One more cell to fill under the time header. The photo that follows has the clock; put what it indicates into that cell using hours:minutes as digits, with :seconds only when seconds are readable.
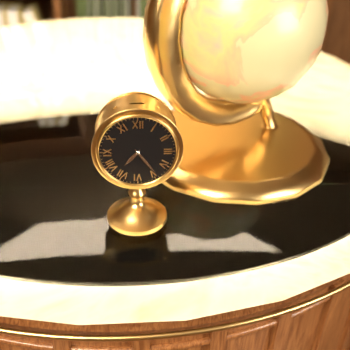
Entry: 7:24
